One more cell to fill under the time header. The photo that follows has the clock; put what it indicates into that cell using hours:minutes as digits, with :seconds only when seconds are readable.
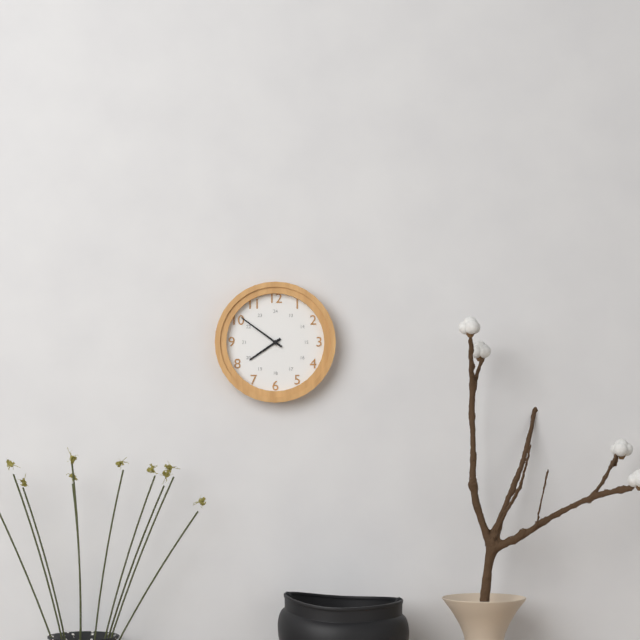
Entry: 7:51
